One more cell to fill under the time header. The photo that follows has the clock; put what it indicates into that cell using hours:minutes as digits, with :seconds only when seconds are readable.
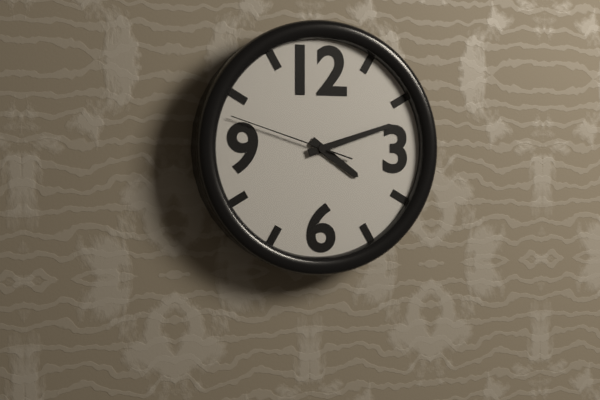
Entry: 4:12:48
